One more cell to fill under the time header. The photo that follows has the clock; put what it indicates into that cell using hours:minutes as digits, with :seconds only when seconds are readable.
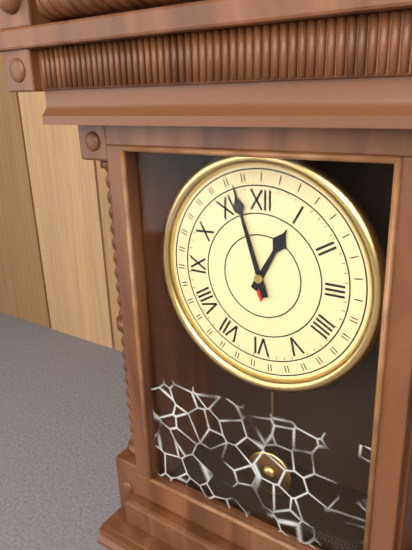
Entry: 12:57
